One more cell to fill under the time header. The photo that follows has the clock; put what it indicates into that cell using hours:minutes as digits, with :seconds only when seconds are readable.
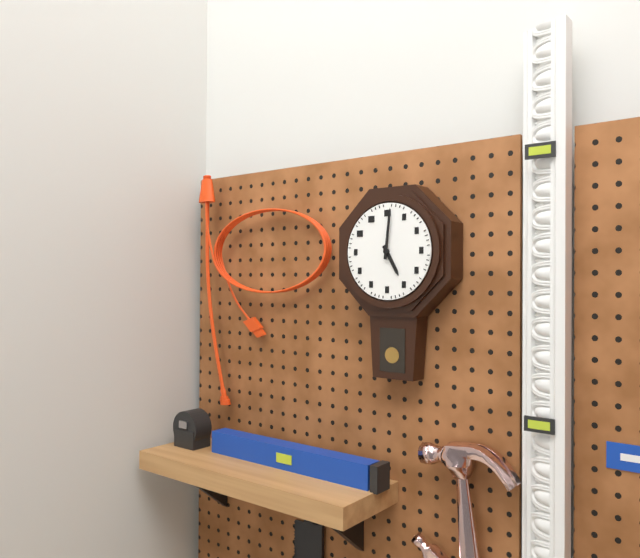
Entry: 5:01
